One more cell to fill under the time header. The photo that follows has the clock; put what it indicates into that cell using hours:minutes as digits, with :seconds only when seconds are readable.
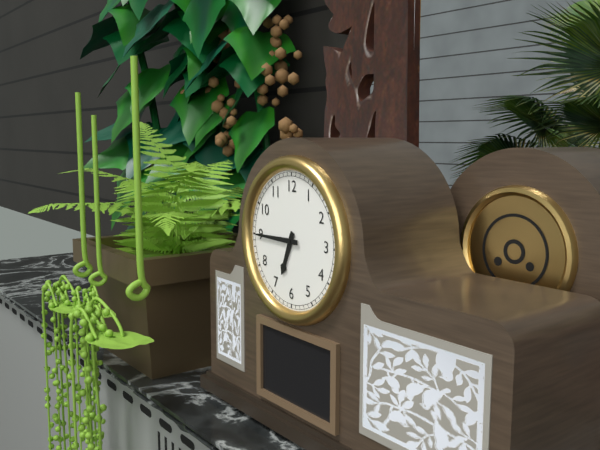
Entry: 6:45
